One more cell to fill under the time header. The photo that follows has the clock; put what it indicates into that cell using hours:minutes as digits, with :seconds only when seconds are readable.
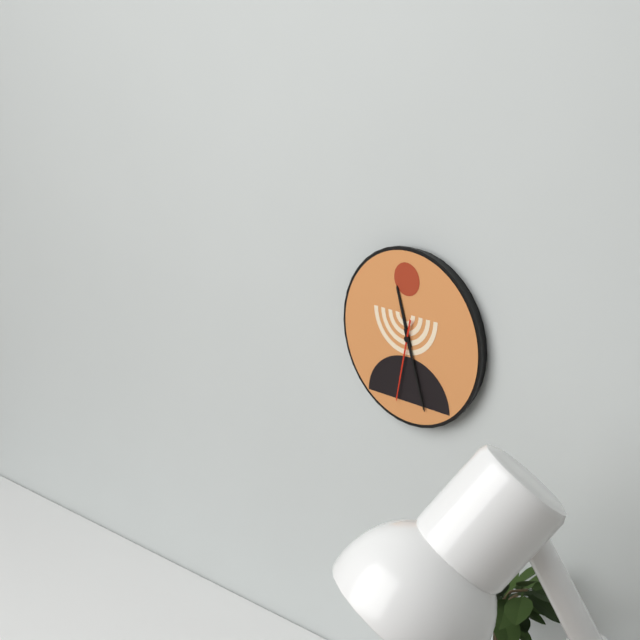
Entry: 11:27:32
